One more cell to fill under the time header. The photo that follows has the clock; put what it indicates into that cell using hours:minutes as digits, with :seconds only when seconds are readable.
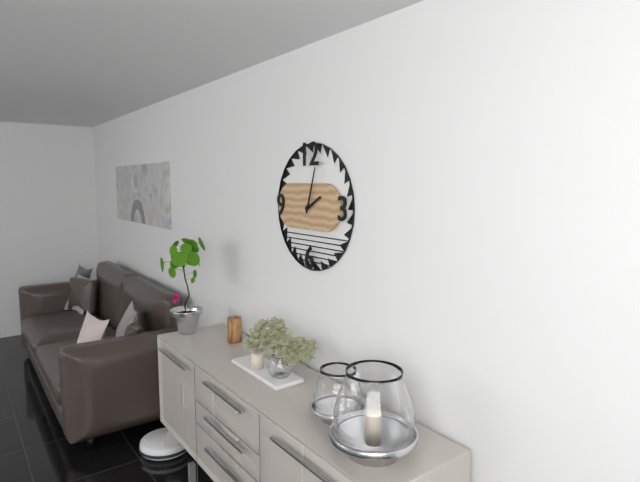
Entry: 2:03
